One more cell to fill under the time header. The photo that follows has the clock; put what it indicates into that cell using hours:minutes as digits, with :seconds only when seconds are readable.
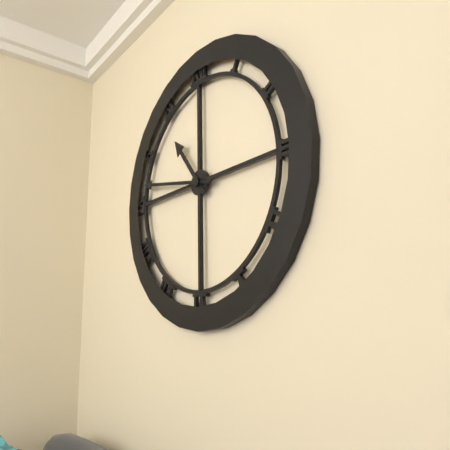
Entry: 10:47
